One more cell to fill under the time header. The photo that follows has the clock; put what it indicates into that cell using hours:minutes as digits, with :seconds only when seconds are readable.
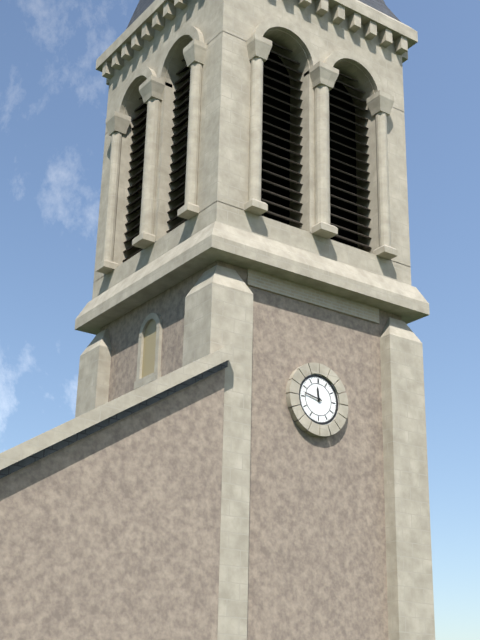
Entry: 11:47
